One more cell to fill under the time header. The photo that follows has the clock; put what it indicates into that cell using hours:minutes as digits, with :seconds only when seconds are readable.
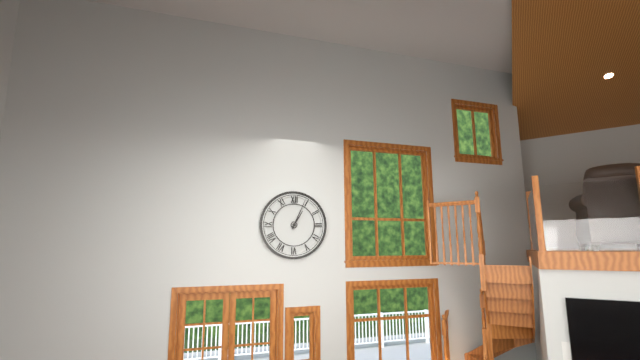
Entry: 1:04
